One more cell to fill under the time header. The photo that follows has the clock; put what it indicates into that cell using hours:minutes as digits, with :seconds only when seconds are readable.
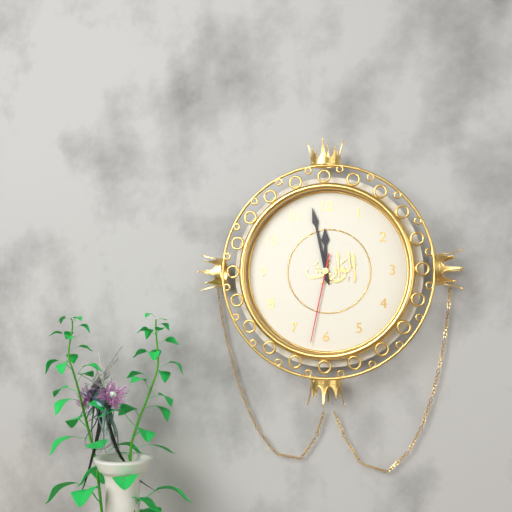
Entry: 11:58:32
